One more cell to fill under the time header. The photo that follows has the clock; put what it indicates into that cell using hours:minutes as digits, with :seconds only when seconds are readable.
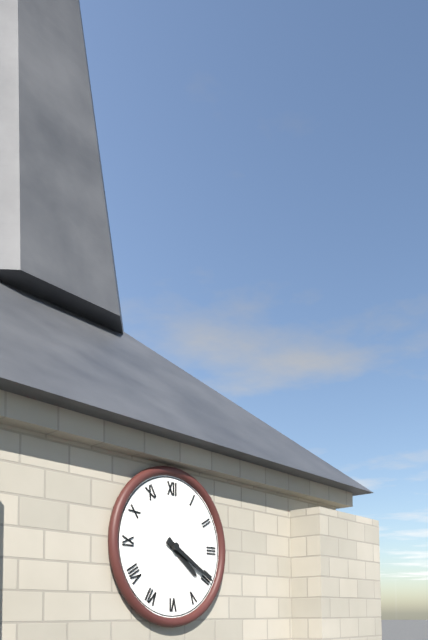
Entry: 4:20
